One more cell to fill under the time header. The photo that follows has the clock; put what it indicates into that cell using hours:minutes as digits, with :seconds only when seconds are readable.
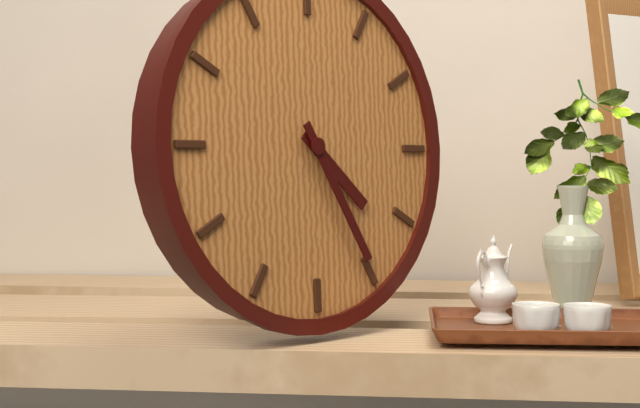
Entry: 4:25
